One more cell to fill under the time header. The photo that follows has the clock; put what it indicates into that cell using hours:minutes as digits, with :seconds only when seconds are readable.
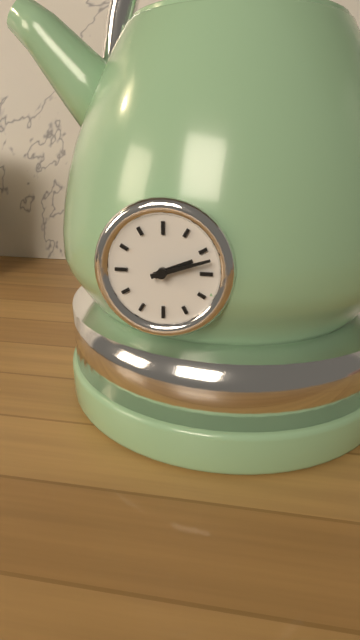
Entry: 2:12
